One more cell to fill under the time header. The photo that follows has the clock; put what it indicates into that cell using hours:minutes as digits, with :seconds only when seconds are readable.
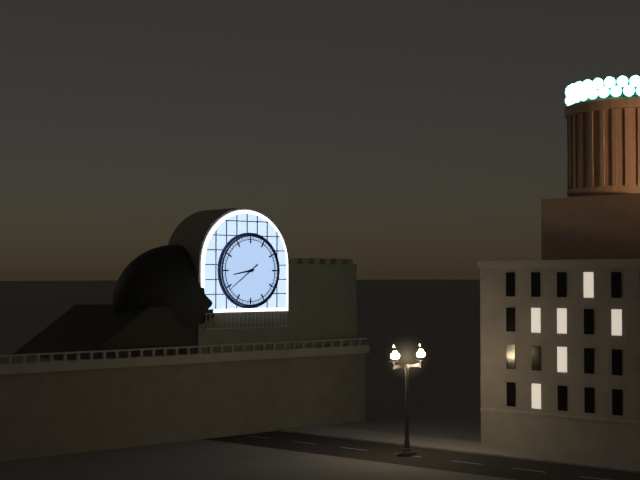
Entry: 8:39
